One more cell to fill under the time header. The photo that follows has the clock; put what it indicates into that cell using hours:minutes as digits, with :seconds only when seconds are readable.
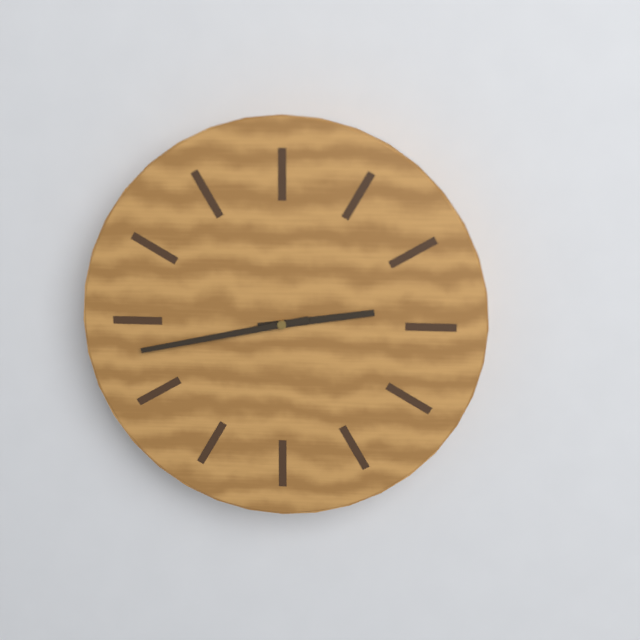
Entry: 2:43
